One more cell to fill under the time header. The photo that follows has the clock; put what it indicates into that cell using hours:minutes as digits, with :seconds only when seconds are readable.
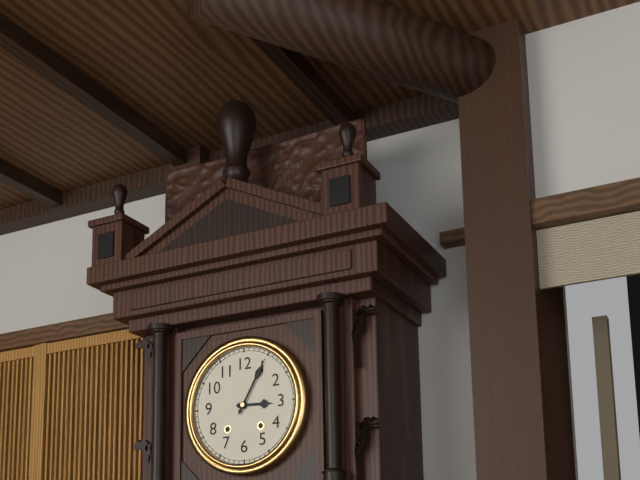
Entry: 3:05
